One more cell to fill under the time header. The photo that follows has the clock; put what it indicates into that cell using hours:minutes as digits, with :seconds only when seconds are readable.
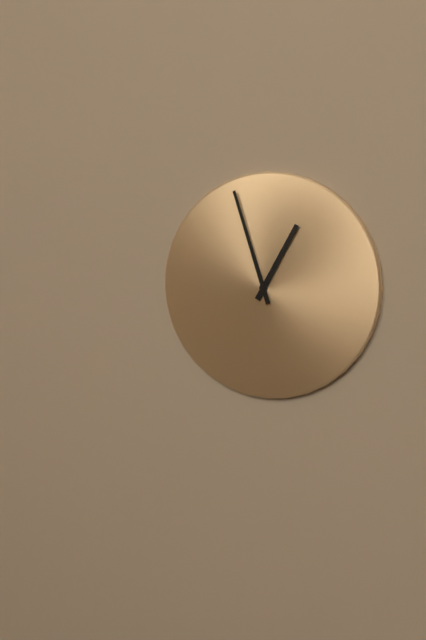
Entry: 12:57
